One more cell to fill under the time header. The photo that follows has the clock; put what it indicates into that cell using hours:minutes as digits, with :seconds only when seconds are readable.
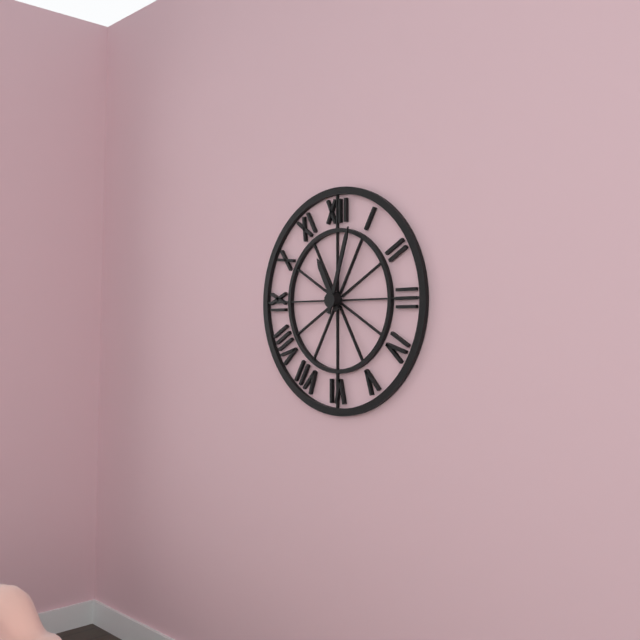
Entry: 11:03
